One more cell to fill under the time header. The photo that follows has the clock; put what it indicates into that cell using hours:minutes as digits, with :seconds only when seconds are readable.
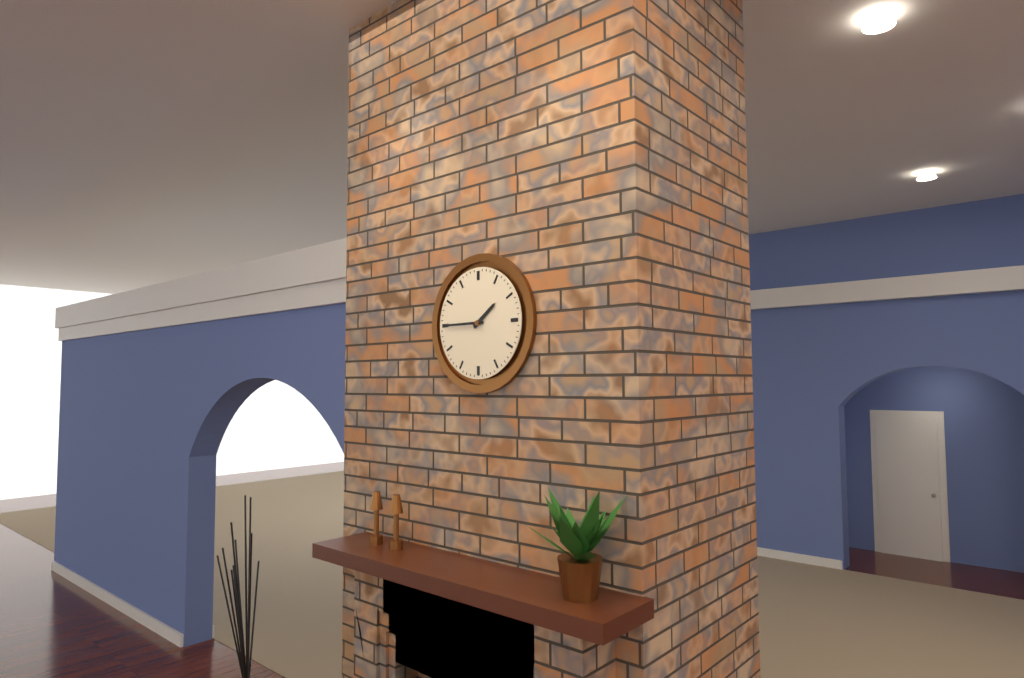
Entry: 1:45
